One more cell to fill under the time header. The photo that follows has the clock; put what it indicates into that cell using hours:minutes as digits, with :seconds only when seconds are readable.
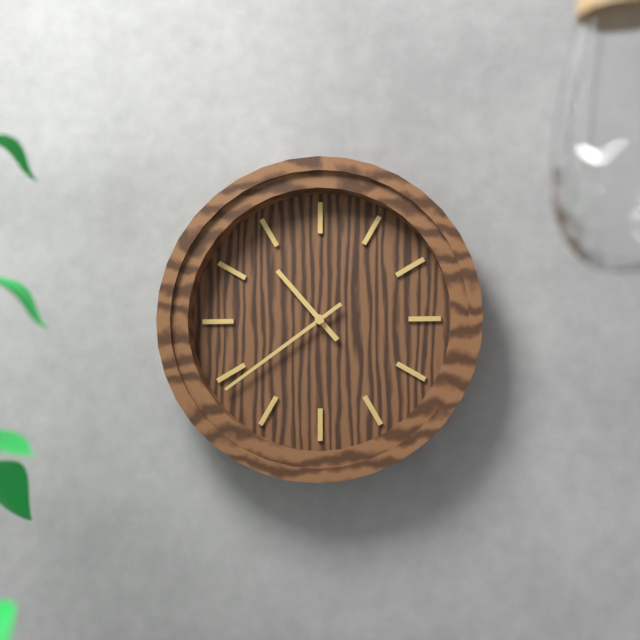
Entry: 10:39
